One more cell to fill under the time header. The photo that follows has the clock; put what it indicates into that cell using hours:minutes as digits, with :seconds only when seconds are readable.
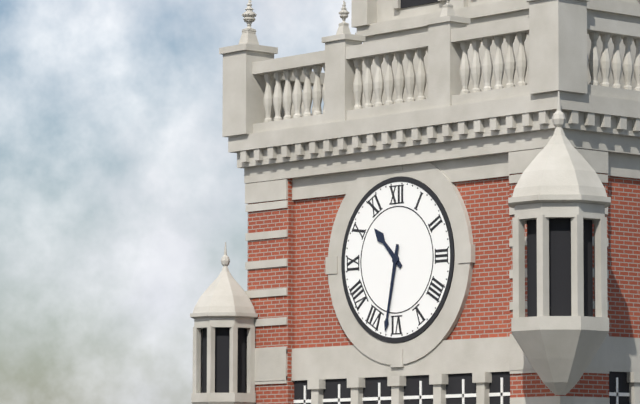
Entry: 10:32
